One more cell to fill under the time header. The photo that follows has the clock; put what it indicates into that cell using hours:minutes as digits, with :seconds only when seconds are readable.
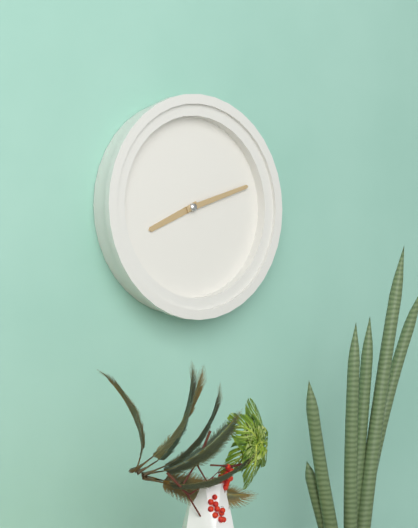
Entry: 8:12
